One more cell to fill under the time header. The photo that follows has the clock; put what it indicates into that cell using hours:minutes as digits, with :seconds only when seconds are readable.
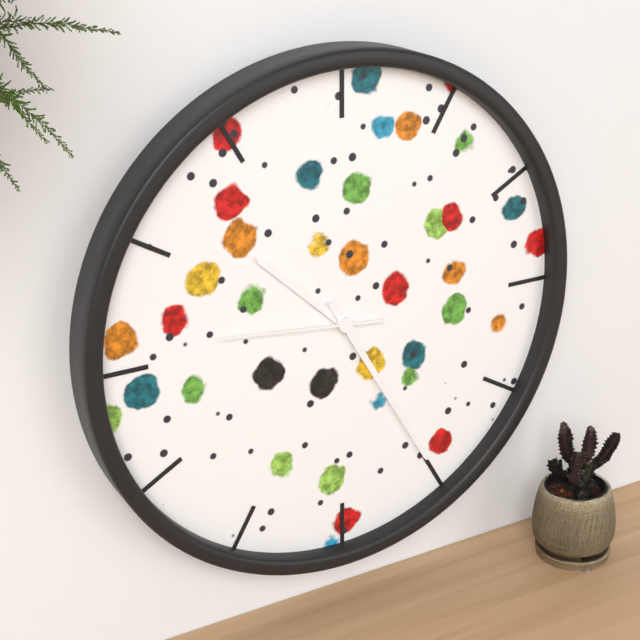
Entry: 10:25:46
